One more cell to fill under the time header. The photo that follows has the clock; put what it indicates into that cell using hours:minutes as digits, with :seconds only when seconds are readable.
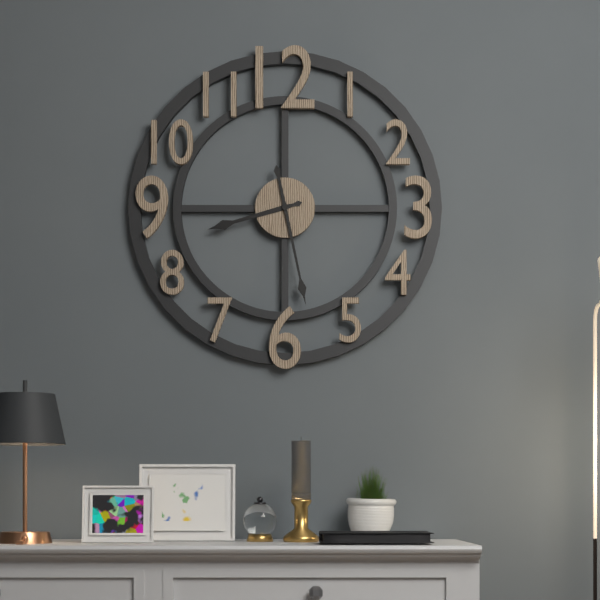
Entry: 8:28
